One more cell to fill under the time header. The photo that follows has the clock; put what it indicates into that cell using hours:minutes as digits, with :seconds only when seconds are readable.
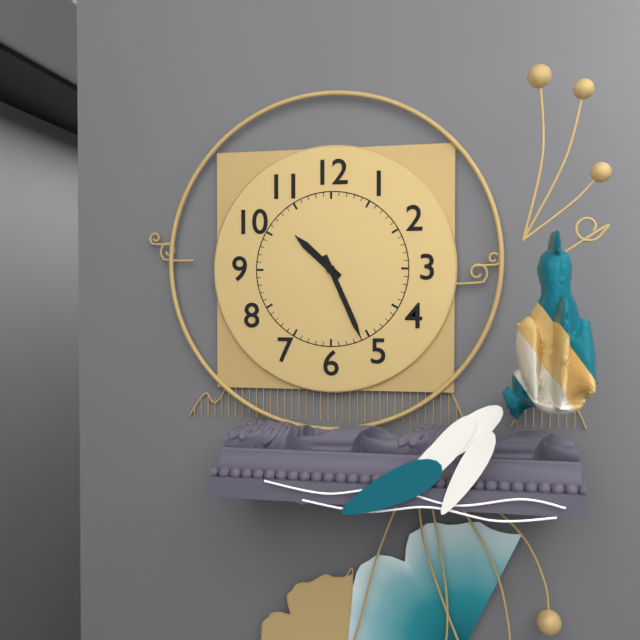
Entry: 10:26
